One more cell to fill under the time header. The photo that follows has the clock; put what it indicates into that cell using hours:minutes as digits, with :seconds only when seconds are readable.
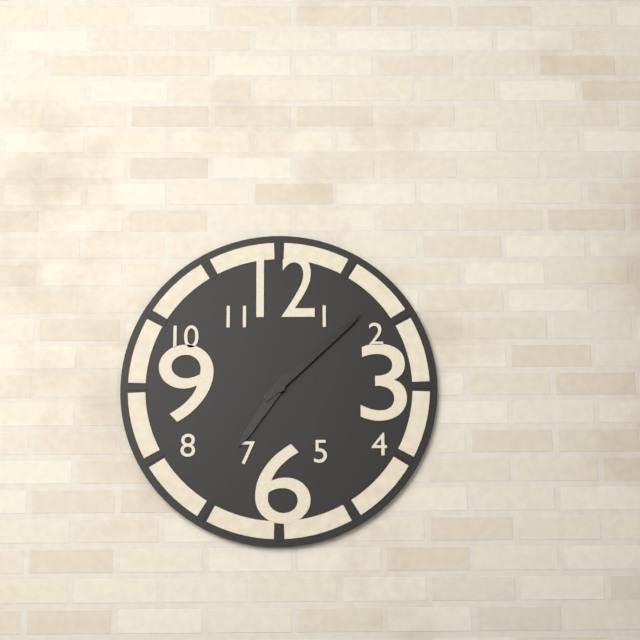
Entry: 7:08
